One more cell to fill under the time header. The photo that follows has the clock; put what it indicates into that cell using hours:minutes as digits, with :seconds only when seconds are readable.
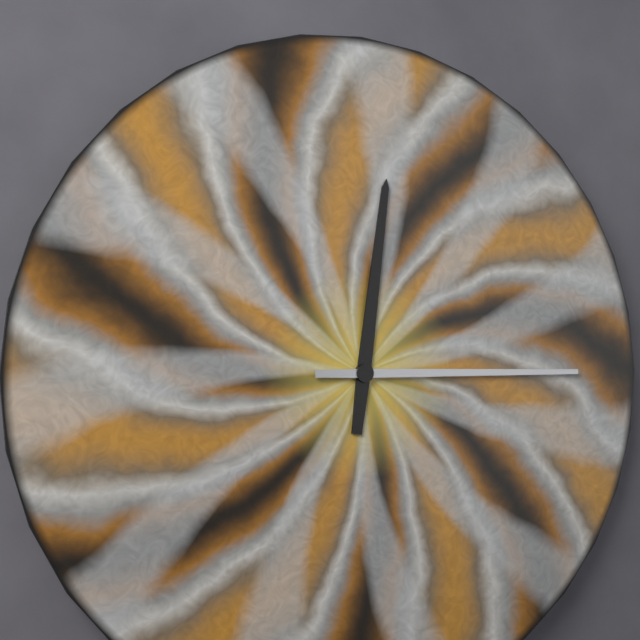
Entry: 12:15
